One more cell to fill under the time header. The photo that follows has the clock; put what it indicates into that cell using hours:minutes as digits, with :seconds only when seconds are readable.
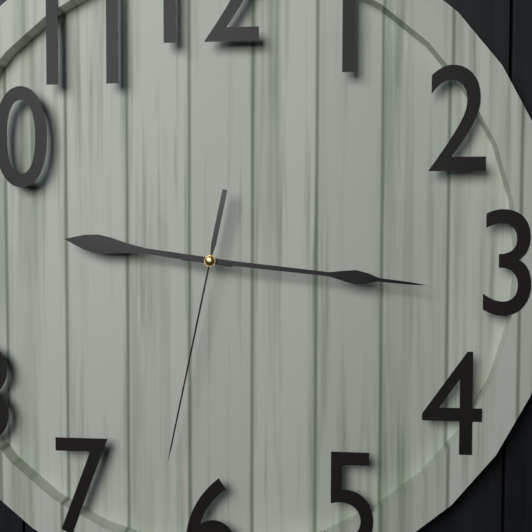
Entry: 9:16:32
